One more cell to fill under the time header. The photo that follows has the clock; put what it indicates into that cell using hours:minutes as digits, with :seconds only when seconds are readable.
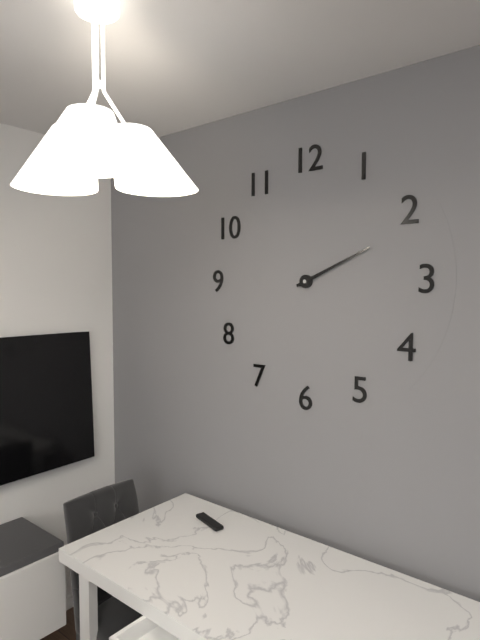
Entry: 2:11
